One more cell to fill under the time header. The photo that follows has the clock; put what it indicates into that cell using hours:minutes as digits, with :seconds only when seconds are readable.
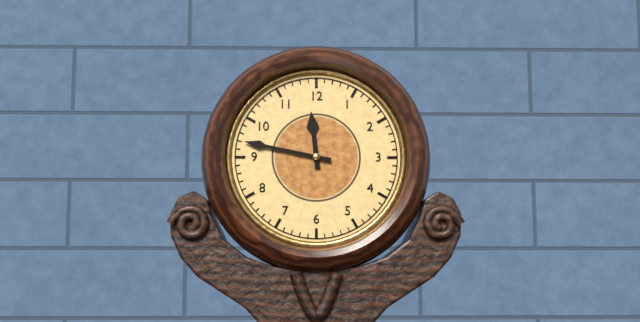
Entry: 11:47
